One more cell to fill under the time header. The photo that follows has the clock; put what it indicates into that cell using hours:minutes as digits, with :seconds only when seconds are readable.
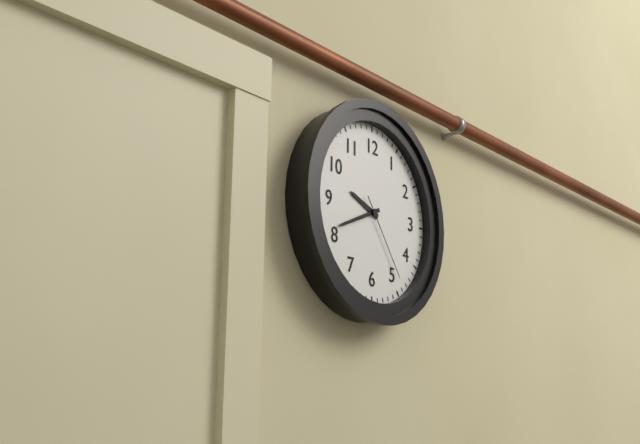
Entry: 9:41:24
